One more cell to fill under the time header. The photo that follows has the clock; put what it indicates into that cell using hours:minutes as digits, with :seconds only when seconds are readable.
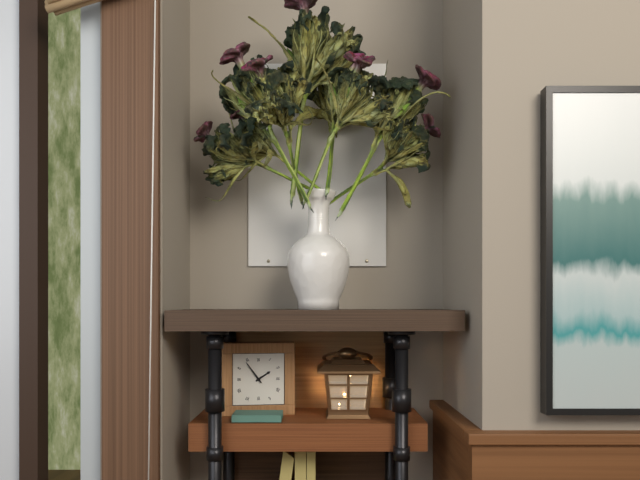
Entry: 1:54
